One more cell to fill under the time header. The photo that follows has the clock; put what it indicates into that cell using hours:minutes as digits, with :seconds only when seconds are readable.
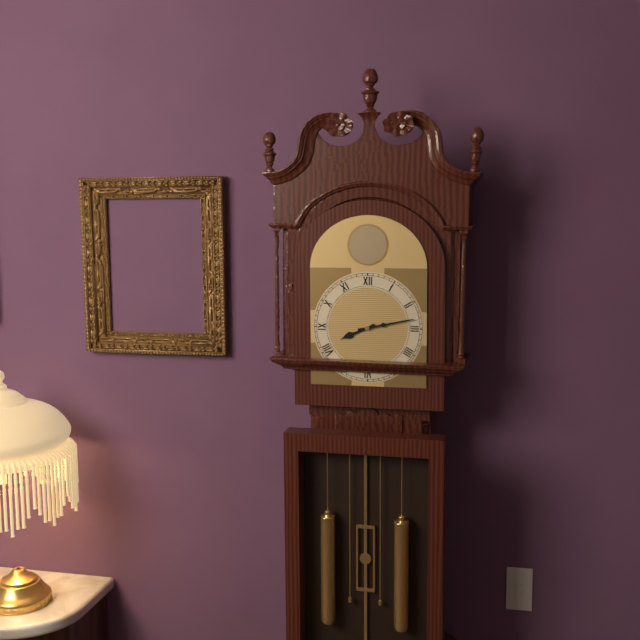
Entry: 8:13
